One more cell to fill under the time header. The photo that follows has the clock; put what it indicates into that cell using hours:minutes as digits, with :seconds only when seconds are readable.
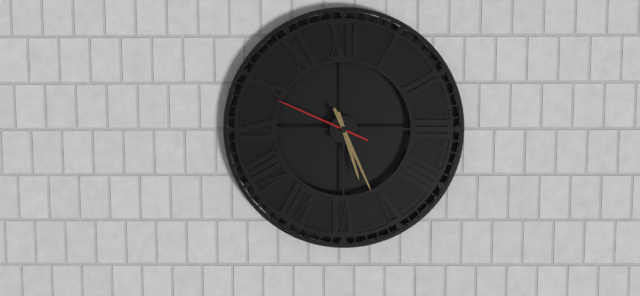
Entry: 5:26:49
